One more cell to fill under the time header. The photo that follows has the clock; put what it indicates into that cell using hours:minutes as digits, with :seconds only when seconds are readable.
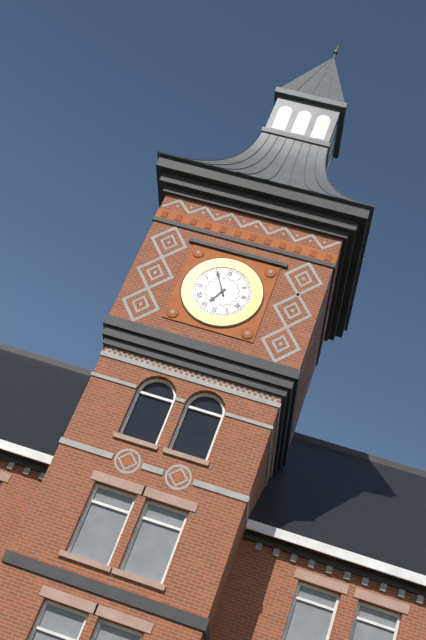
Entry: 6:55
